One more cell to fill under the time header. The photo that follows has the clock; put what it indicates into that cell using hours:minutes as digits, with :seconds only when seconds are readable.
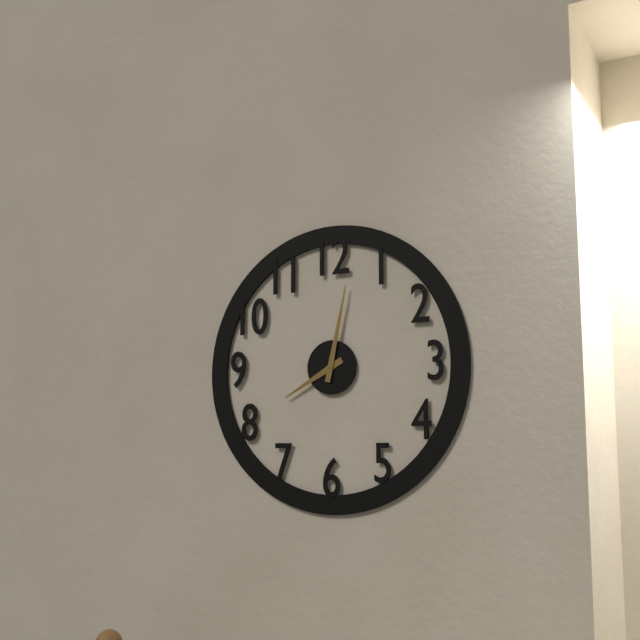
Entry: 8:02
